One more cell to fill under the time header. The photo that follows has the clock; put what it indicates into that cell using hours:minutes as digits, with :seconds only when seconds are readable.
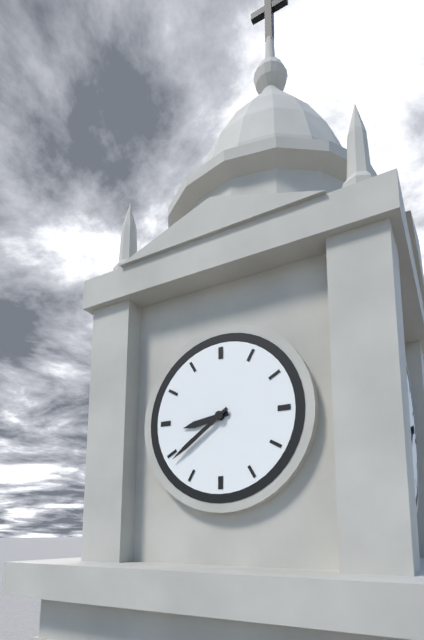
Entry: 8:39
